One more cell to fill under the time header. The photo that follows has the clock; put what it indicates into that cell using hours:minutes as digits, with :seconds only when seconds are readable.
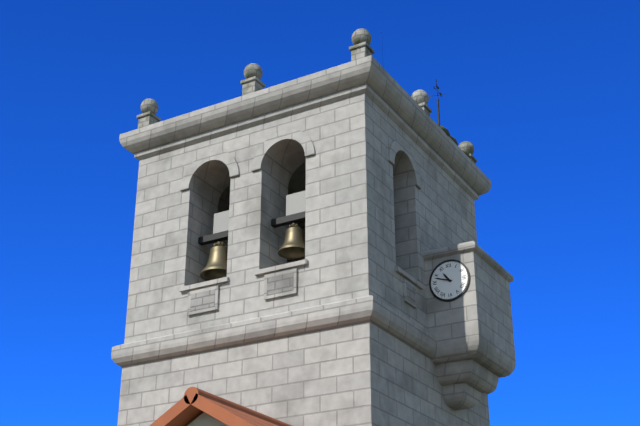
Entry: 10:48
